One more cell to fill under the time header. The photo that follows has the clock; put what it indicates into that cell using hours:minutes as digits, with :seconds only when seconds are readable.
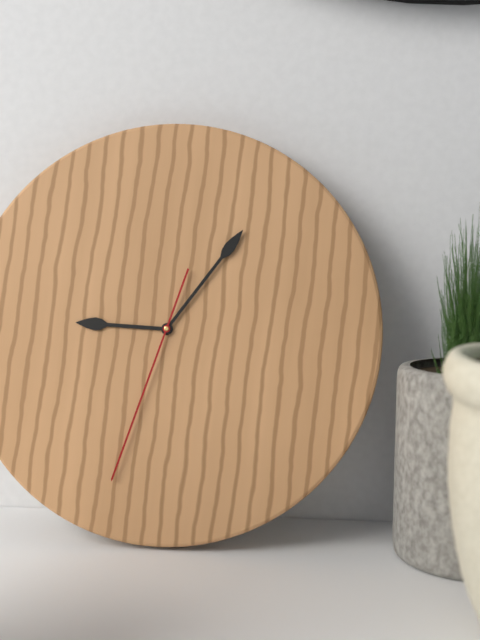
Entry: 9:06:33
